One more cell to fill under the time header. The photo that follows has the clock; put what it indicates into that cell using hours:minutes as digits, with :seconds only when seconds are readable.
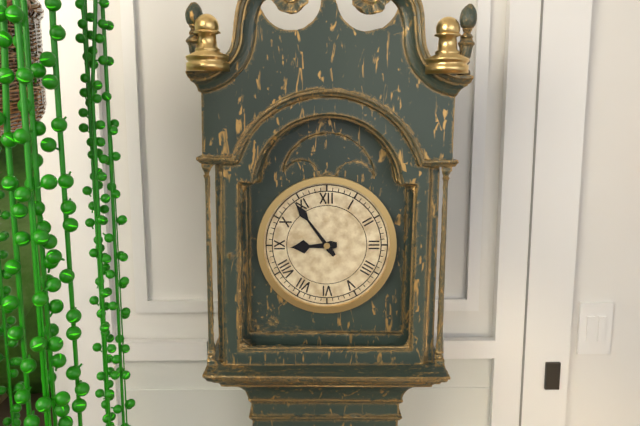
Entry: 8:54
